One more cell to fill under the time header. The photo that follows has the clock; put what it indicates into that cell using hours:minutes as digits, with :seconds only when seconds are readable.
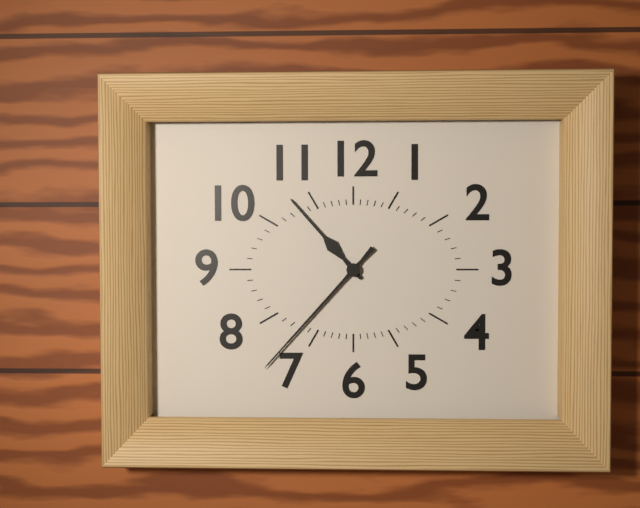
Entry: 10:37
